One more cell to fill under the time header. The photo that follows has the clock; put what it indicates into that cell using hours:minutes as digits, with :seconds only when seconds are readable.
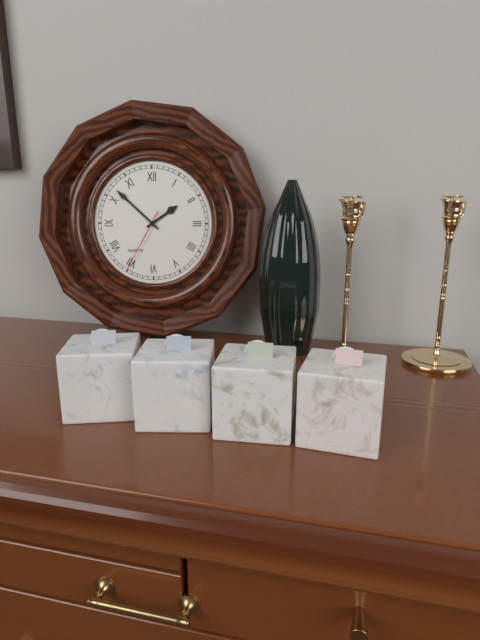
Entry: 1:52:35
